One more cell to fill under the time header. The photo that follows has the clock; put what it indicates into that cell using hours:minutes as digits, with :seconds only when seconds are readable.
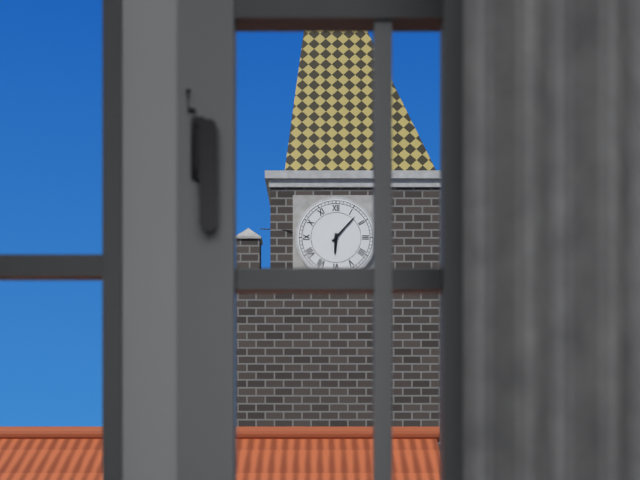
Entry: 6:07
